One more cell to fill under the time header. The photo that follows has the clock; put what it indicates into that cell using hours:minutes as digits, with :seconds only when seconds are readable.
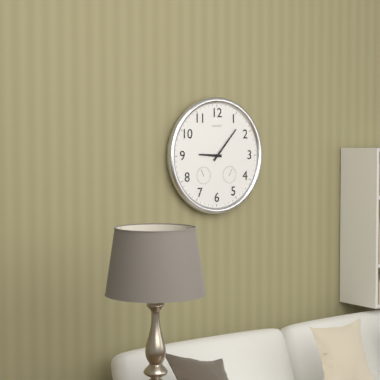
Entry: 9:07
